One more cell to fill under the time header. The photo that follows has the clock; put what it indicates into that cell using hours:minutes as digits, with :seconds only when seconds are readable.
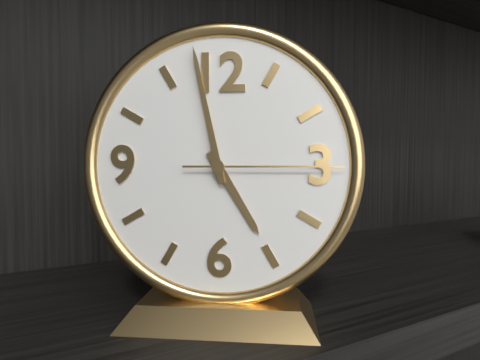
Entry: 4:58:15
